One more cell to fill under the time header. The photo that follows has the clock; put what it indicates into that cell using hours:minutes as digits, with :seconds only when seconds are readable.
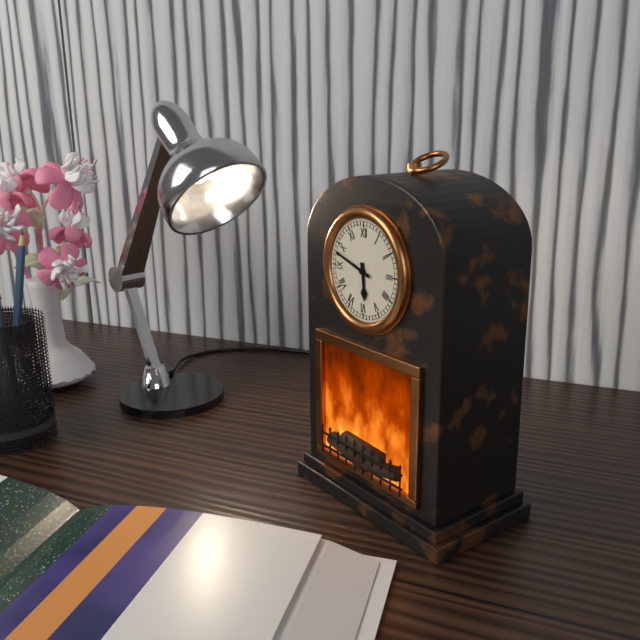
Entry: 5:48
